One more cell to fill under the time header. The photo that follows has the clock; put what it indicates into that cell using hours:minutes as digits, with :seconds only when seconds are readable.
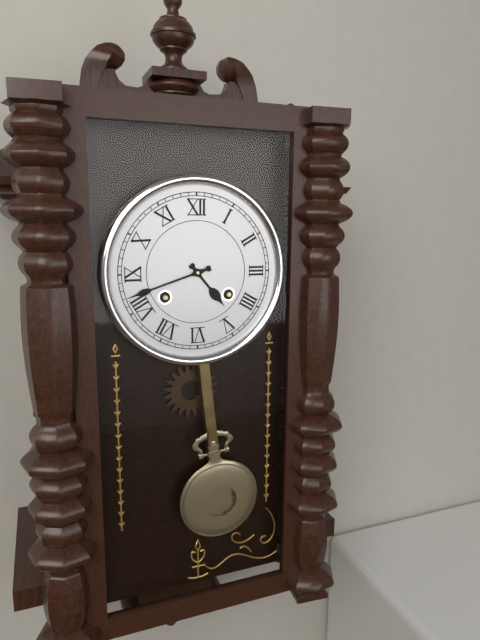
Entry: 4:42
